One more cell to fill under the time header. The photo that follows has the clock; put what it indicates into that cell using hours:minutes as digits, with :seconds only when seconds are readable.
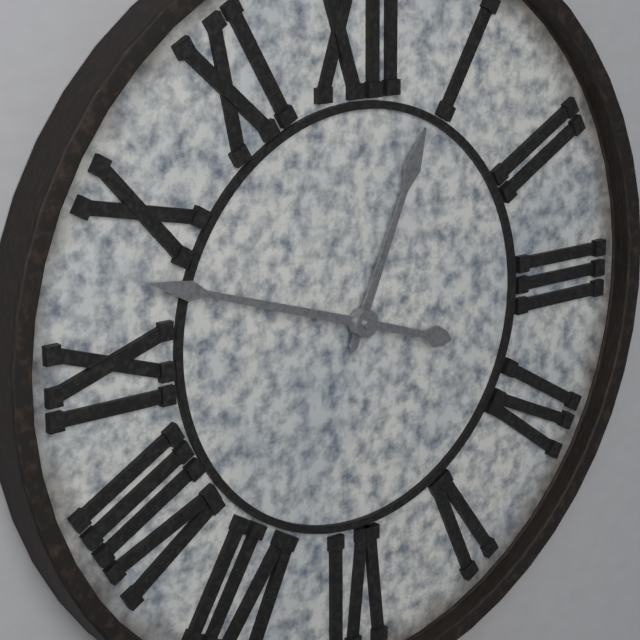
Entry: 12:48
